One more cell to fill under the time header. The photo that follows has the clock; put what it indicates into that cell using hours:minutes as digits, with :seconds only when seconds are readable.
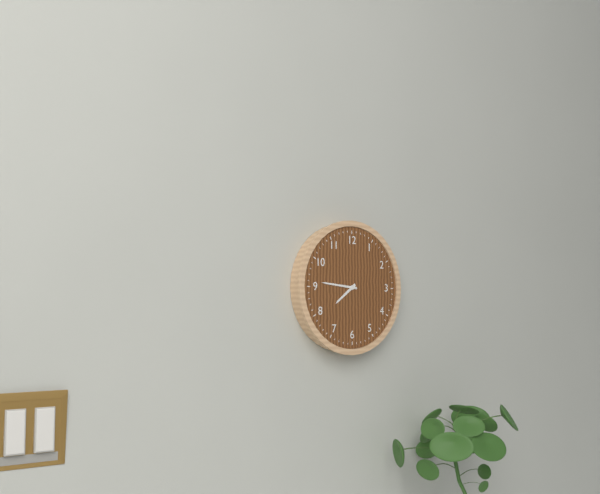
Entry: 7:46
